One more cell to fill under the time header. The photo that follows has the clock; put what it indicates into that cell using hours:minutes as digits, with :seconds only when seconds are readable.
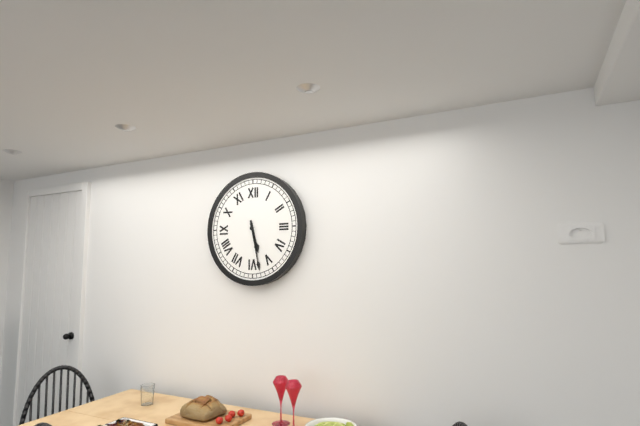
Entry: 5:28
